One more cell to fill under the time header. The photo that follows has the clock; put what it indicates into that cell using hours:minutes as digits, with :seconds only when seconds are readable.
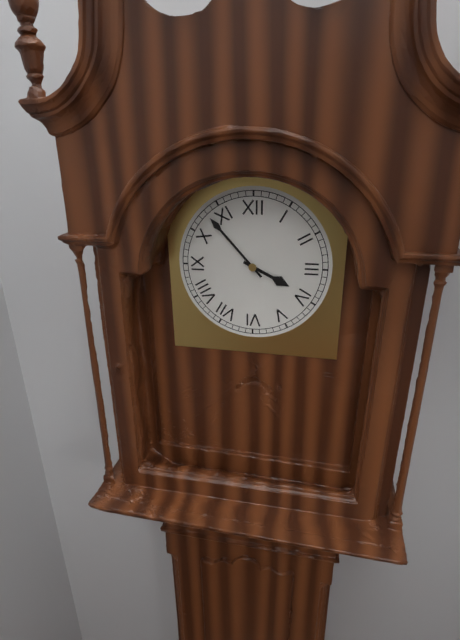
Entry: 3:53
